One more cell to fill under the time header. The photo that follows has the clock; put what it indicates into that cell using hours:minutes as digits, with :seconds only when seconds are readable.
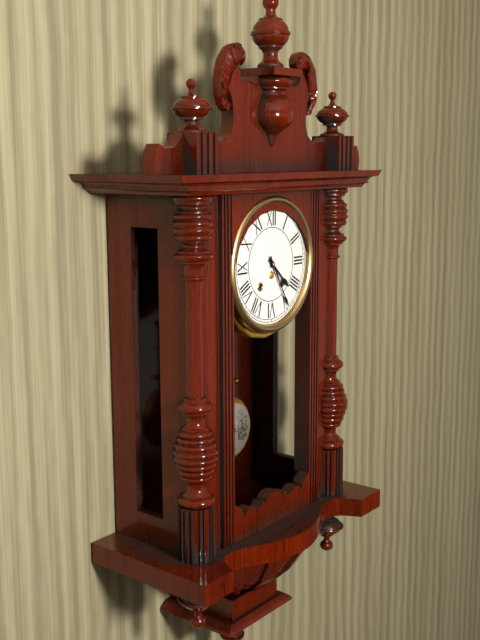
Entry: 4:25
